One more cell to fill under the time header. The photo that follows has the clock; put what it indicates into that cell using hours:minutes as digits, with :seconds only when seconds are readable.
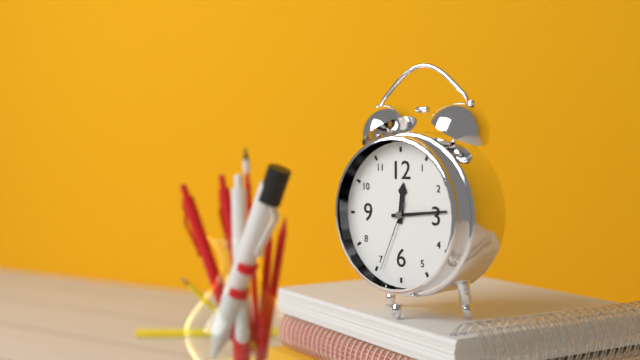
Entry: 12:14:34
